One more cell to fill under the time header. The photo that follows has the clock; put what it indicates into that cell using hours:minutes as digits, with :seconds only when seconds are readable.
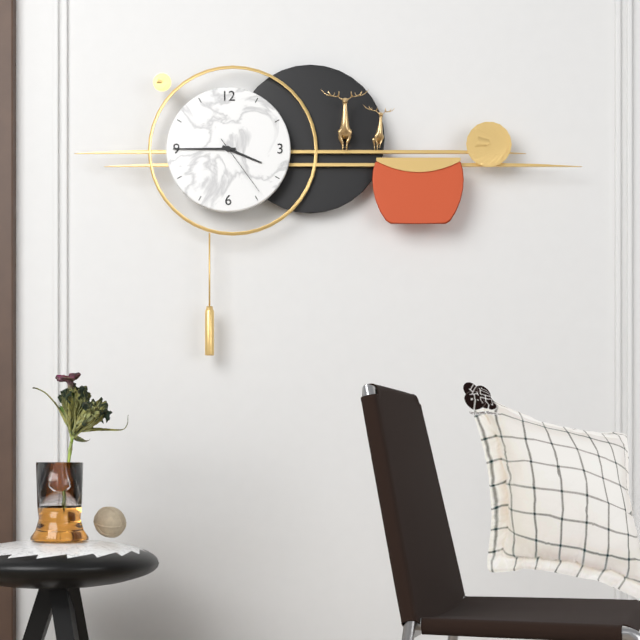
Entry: 3:45:24
